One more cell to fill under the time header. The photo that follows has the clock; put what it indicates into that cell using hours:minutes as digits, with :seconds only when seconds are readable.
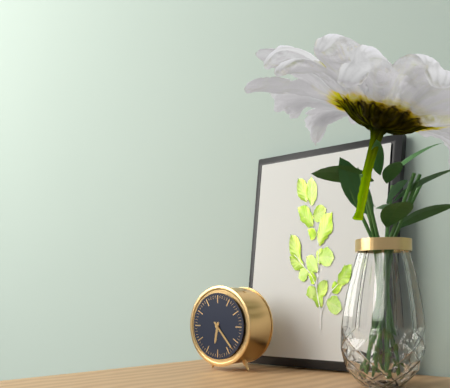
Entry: 6:23
